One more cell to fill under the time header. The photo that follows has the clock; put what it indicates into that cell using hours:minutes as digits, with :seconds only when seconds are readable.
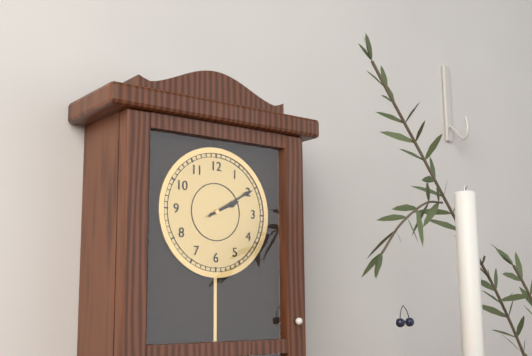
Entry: 2:10
